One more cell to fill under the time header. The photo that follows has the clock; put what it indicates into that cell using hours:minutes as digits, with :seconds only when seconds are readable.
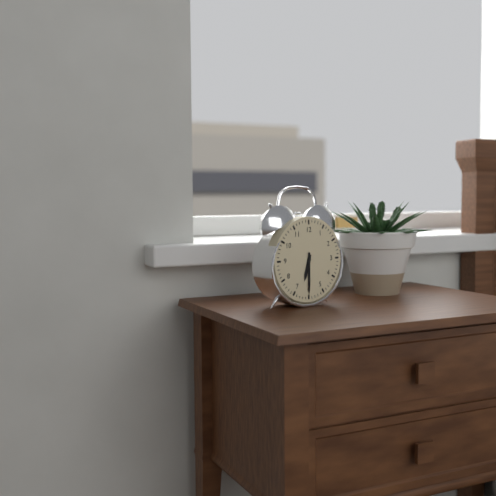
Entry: 6:30
